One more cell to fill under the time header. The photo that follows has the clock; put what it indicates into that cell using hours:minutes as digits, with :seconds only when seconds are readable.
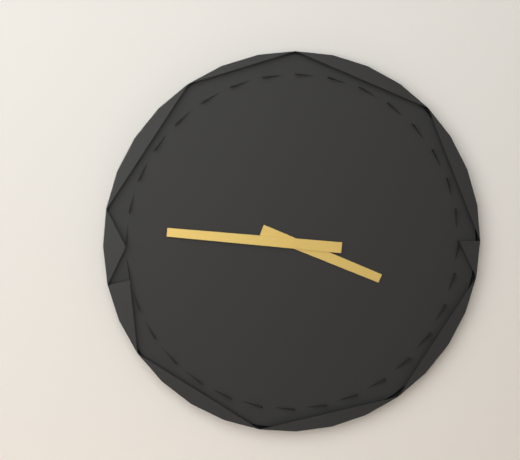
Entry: 3:46
